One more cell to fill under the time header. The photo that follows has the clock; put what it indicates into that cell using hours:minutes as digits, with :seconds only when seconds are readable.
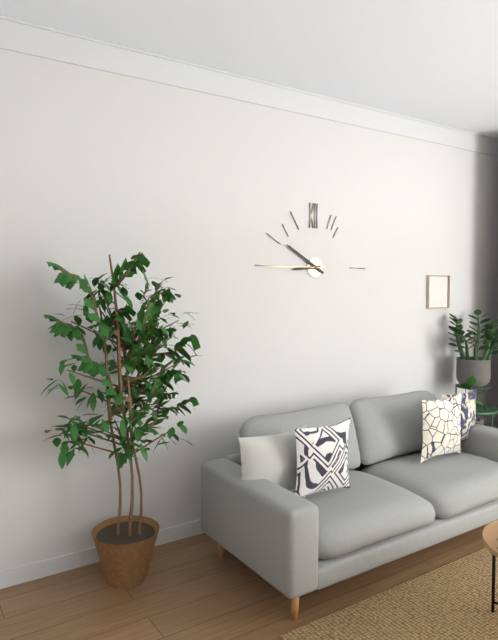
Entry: 8:50:45
